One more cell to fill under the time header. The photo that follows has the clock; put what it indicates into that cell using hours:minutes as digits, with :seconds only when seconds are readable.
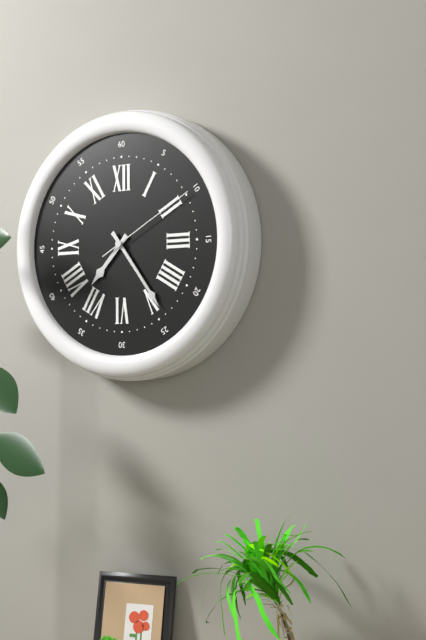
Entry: 7:24:10
